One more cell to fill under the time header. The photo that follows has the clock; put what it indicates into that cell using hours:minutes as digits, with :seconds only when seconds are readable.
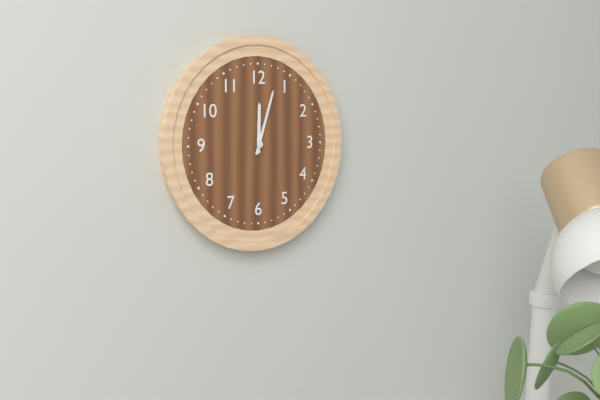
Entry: 12:03
